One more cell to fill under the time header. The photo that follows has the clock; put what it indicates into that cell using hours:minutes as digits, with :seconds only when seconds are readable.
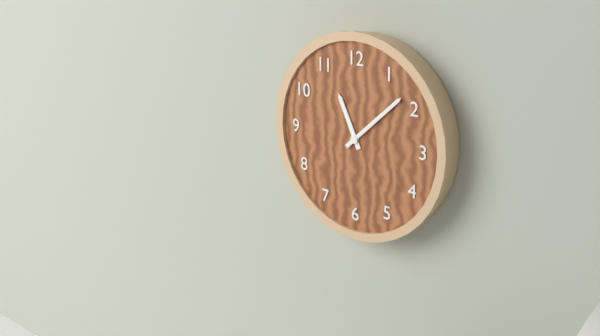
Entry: 11:08
